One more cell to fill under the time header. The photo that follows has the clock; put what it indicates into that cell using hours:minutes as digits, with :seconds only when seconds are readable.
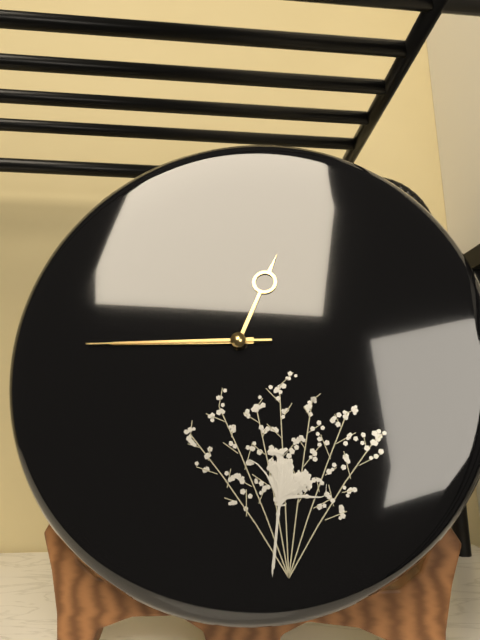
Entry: 12:45:45
